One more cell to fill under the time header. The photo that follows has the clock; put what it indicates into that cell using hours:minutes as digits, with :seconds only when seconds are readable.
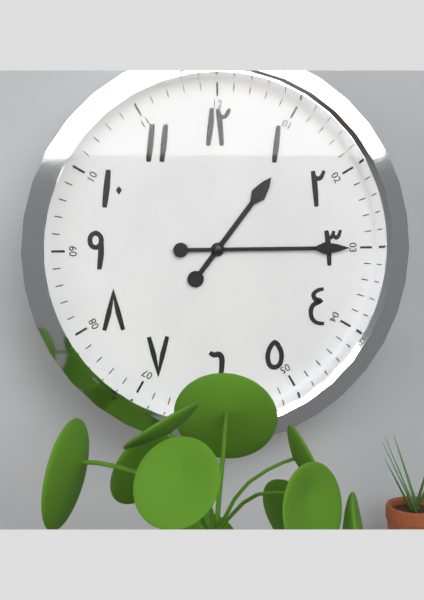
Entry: 1:15
